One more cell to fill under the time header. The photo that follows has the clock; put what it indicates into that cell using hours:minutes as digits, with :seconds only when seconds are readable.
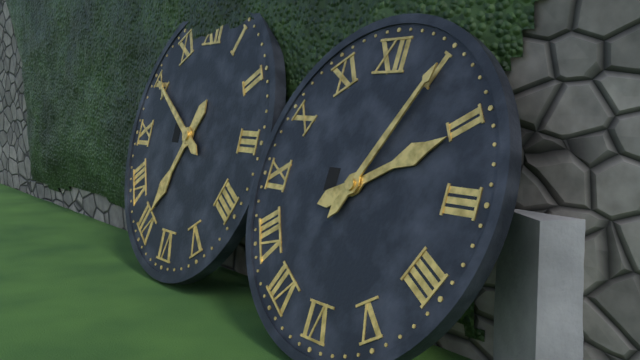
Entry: 2:05
